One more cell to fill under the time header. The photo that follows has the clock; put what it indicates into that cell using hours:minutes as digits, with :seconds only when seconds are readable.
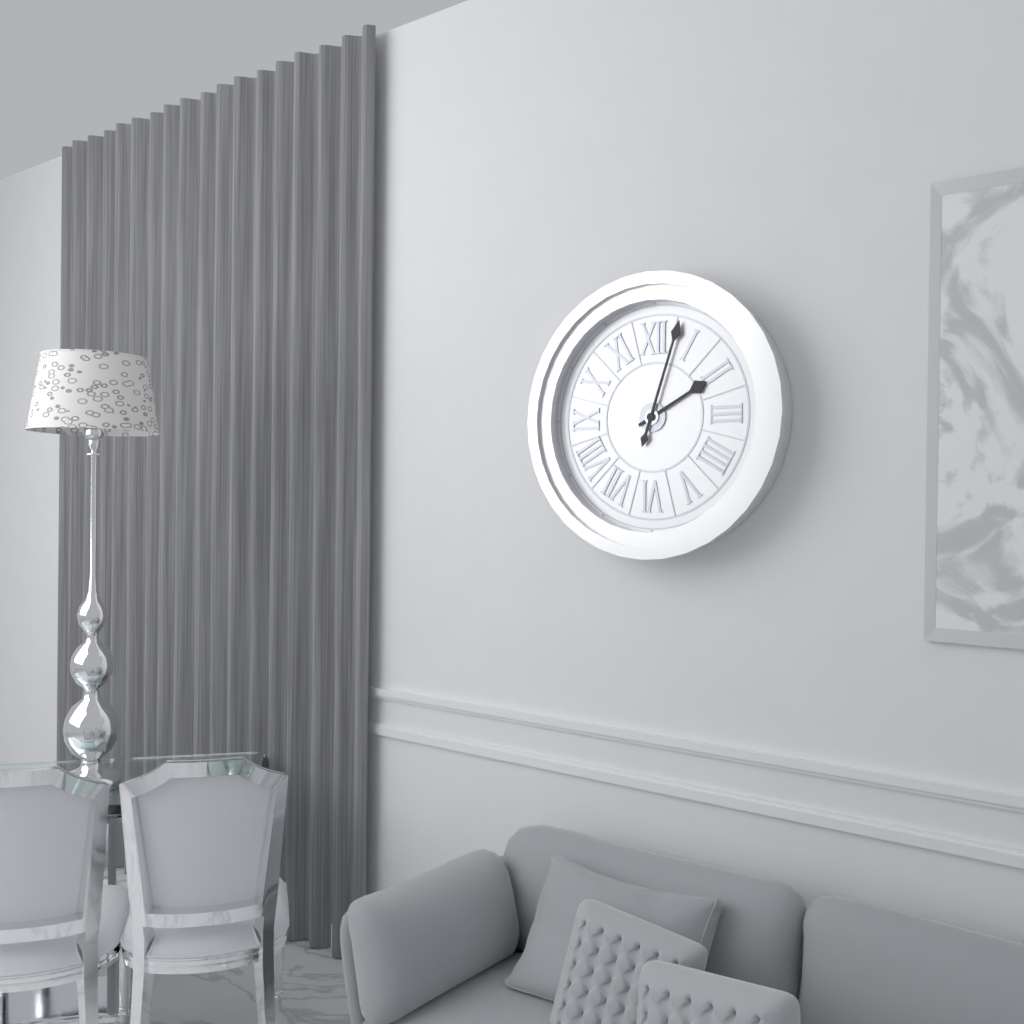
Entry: 2:03
